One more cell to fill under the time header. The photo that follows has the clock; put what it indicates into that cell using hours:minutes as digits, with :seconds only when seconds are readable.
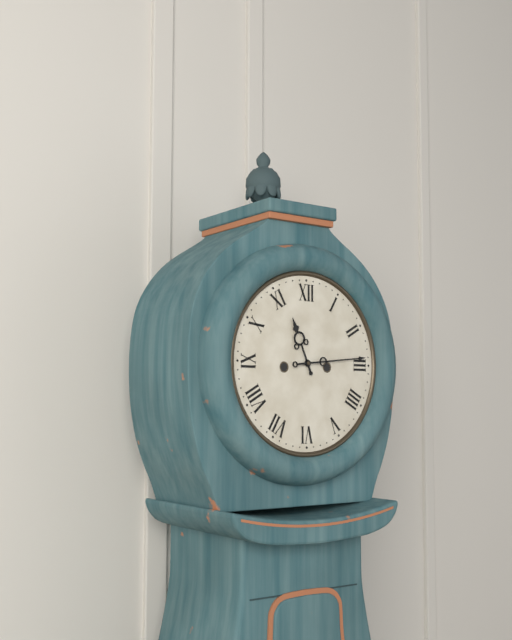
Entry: 11:14
